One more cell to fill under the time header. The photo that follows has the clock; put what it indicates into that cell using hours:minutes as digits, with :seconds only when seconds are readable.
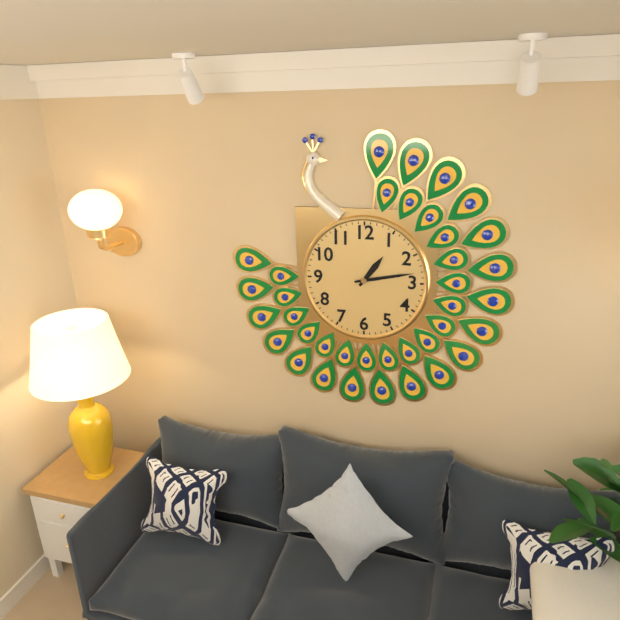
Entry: 1:13
